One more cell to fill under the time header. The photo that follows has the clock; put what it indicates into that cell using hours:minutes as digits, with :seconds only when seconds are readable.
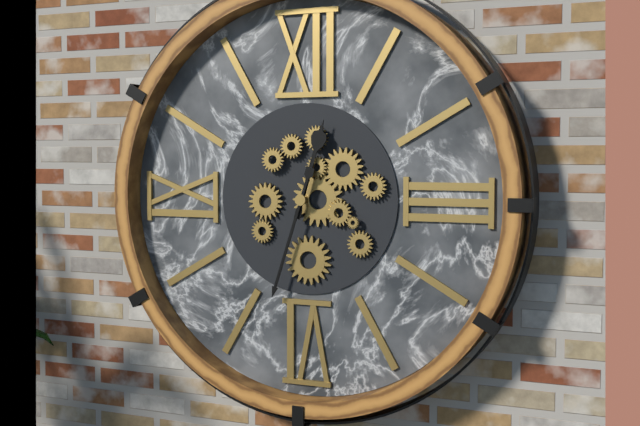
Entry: 12:33
